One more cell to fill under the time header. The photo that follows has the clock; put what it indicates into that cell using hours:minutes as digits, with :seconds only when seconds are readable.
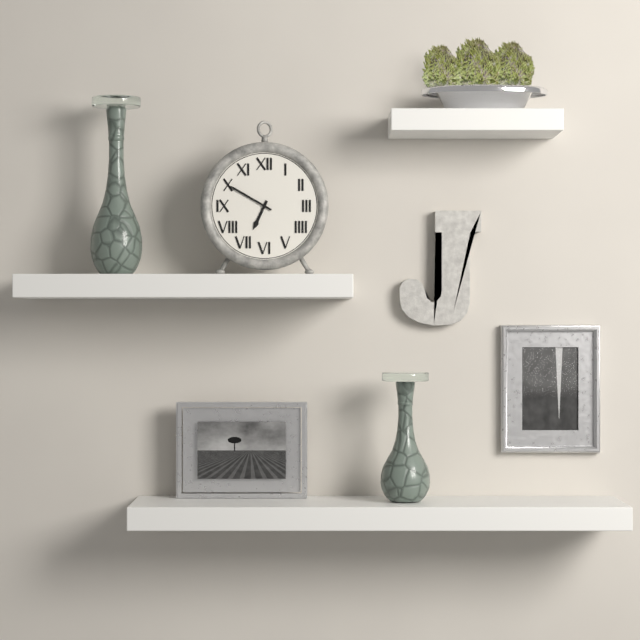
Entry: 6:50
